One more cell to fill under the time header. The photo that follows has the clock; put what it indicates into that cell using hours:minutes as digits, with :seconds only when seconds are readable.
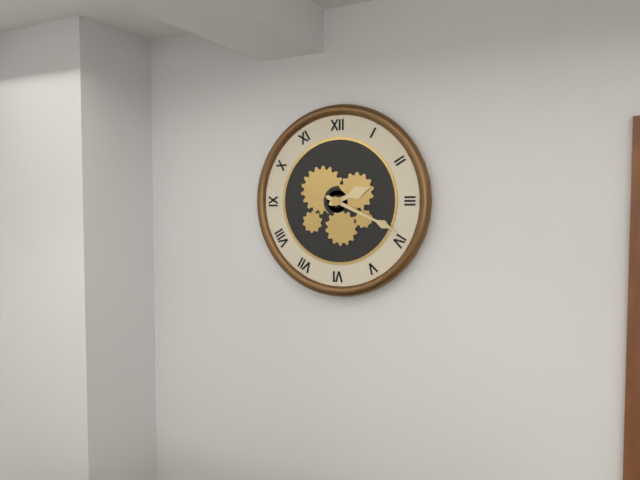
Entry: 2:19
